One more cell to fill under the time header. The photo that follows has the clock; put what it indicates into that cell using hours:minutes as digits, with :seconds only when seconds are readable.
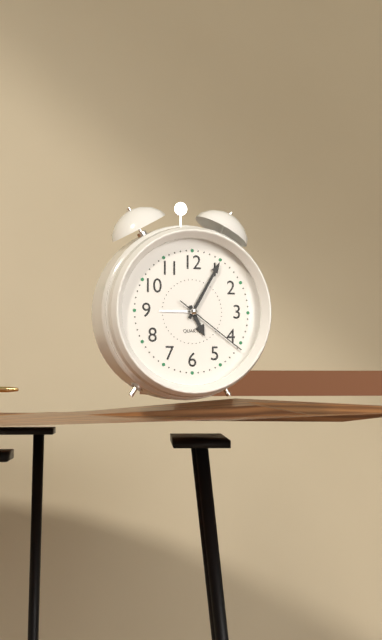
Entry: 5:05:21
